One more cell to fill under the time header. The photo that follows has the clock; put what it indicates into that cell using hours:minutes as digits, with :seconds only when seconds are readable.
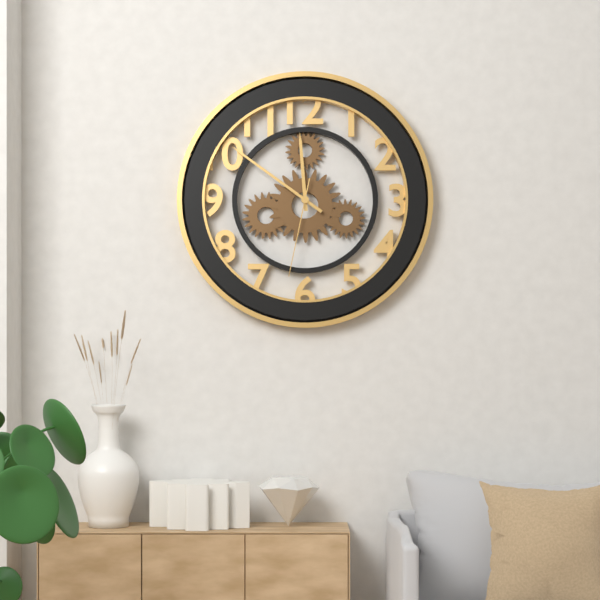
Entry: 11:51:32
